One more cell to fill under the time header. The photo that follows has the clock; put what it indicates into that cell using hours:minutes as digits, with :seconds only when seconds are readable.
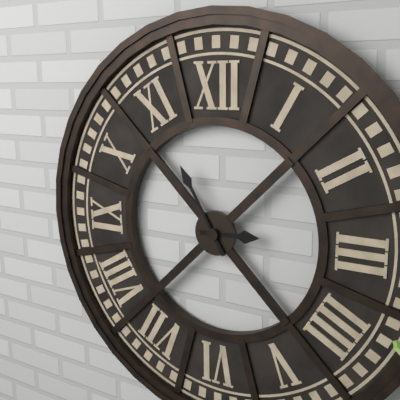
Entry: 2:55
